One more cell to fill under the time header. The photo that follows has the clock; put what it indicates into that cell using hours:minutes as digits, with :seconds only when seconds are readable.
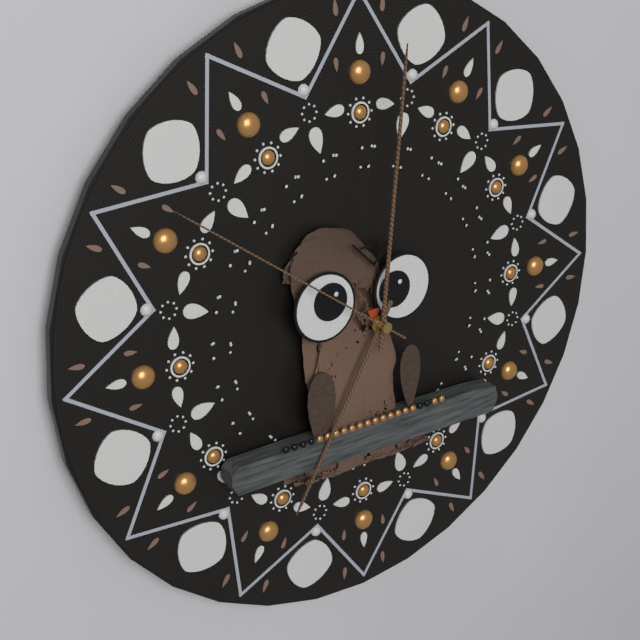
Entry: 7:01:51
